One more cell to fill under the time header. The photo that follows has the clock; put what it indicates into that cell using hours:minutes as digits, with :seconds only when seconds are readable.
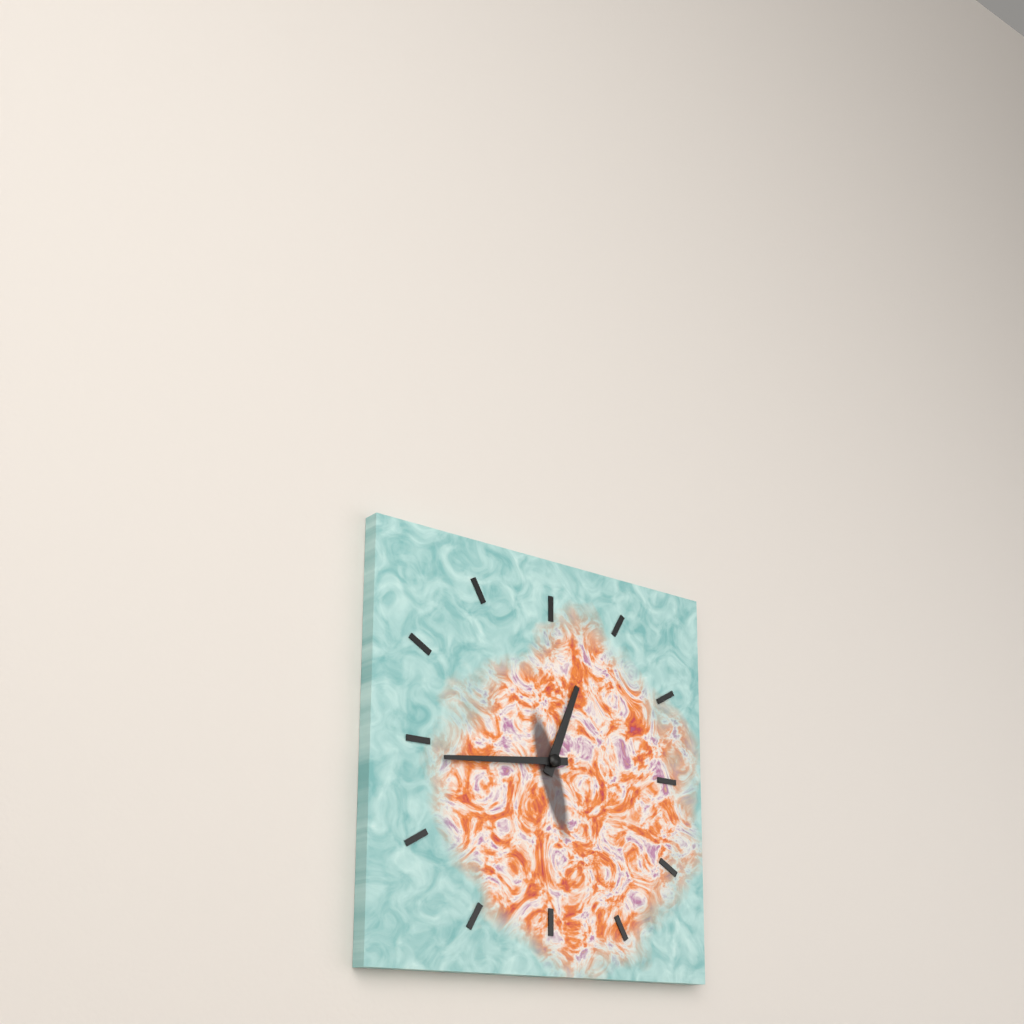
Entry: 12:44
